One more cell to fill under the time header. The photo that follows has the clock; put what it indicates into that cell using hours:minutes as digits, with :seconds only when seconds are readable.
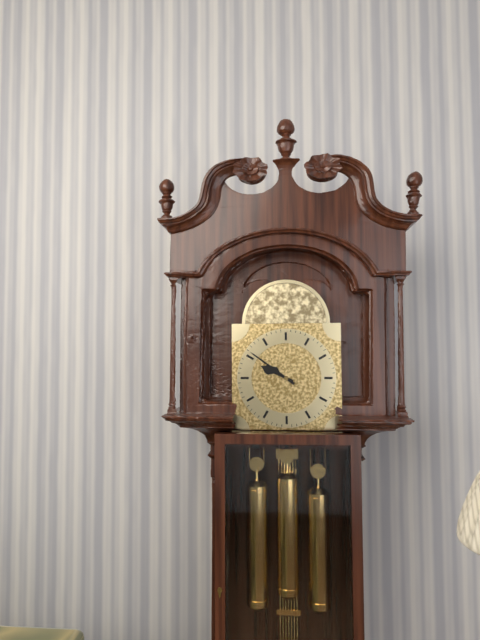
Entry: 9:51
